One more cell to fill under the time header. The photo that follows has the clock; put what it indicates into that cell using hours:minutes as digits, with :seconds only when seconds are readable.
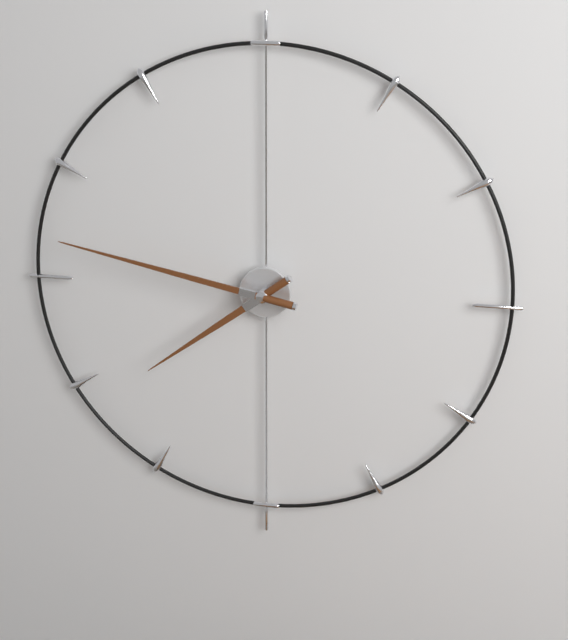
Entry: 7:47
